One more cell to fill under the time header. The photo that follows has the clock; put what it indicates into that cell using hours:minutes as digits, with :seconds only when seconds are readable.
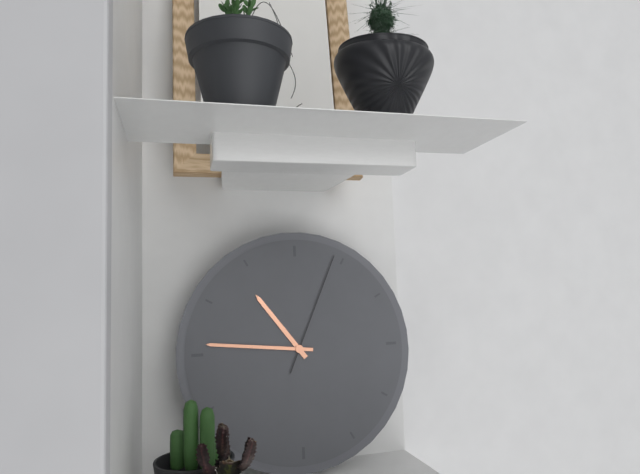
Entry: 10:46:04
